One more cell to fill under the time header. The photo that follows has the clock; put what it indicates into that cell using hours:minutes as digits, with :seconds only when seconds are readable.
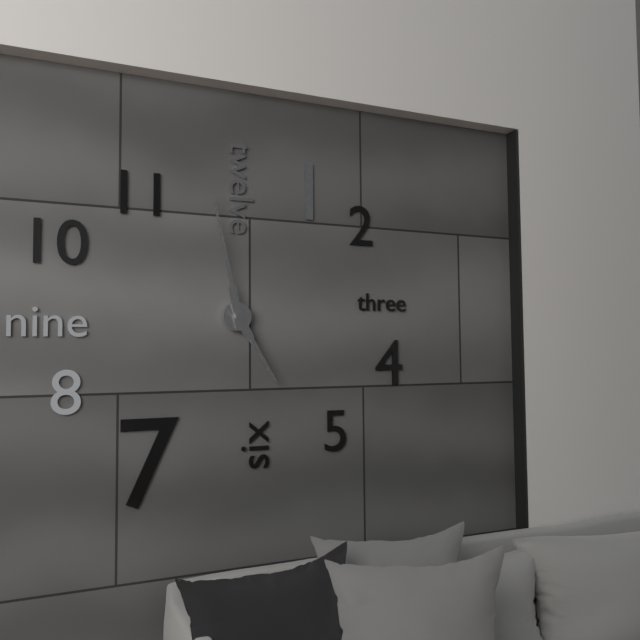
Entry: 4:58
